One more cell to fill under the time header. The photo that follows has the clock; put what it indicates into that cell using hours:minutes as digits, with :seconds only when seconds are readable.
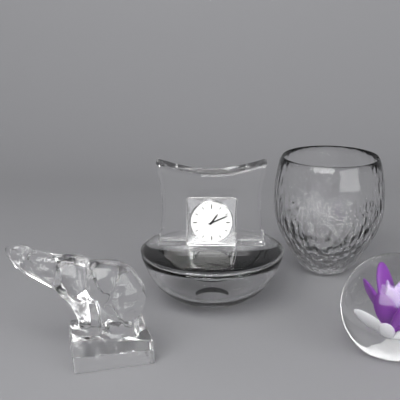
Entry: 1:11
